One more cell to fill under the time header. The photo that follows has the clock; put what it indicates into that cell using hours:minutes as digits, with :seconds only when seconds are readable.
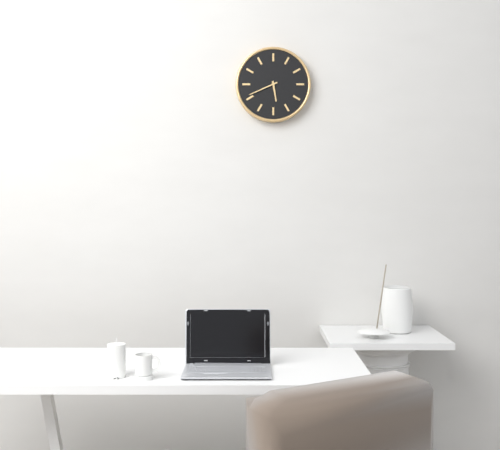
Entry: 5:41
